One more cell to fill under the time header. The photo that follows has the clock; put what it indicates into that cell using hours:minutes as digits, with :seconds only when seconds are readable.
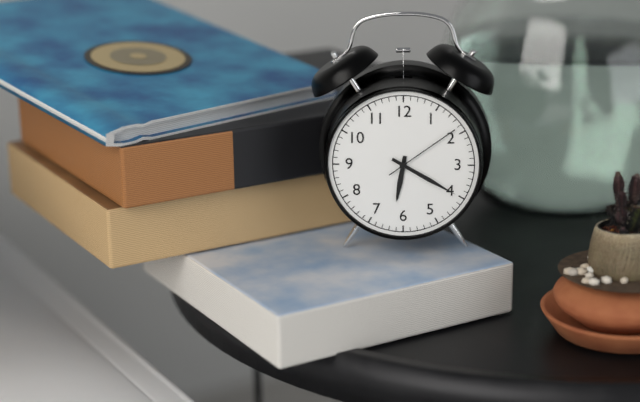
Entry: 6:20:09
